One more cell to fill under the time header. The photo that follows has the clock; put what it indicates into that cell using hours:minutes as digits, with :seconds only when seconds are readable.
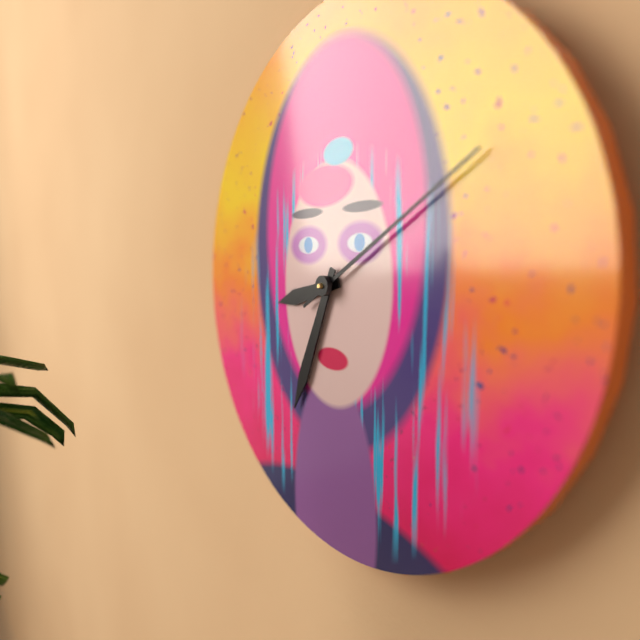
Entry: 8:34:10
